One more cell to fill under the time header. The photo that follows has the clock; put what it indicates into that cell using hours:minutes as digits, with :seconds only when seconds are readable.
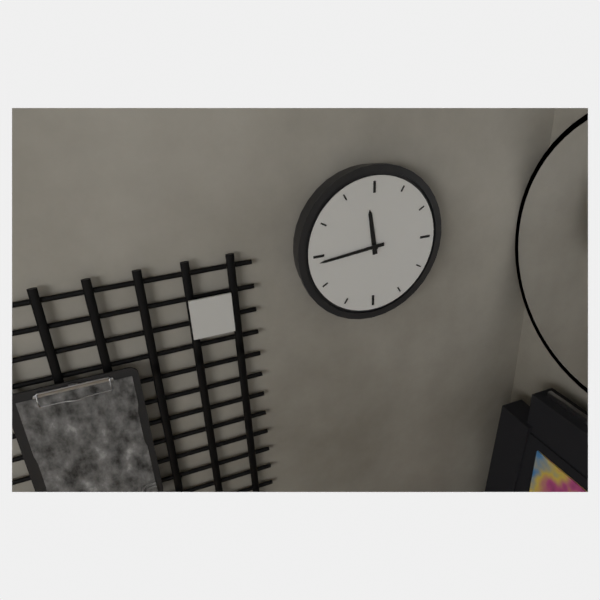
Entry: 11:44
